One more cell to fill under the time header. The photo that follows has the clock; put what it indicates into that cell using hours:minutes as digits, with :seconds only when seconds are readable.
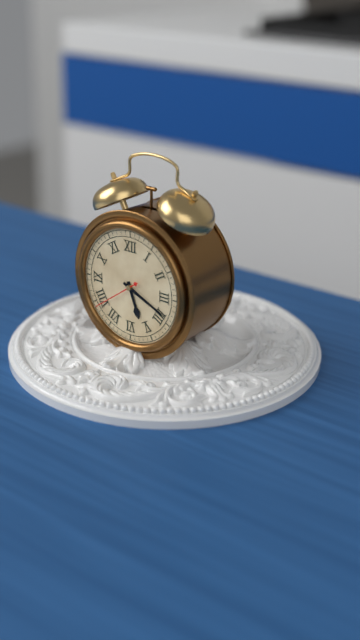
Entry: 5:19:39
